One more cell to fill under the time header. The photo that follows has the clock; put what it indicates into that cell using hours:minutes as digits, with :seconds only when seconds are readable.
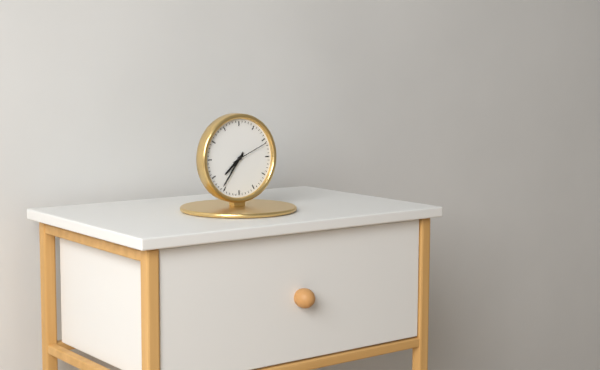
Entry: 7:36
